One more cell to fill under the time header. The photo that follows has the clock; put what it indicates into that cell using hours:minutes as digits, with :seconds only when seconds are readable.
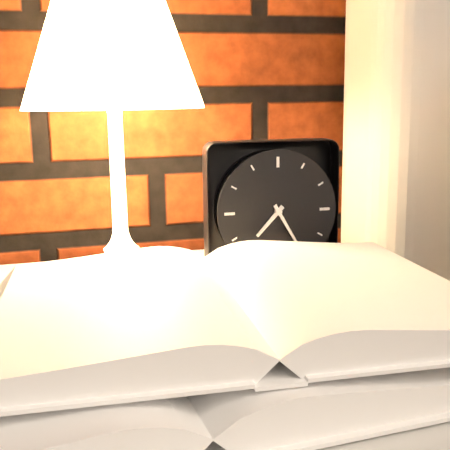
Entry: 7:25
